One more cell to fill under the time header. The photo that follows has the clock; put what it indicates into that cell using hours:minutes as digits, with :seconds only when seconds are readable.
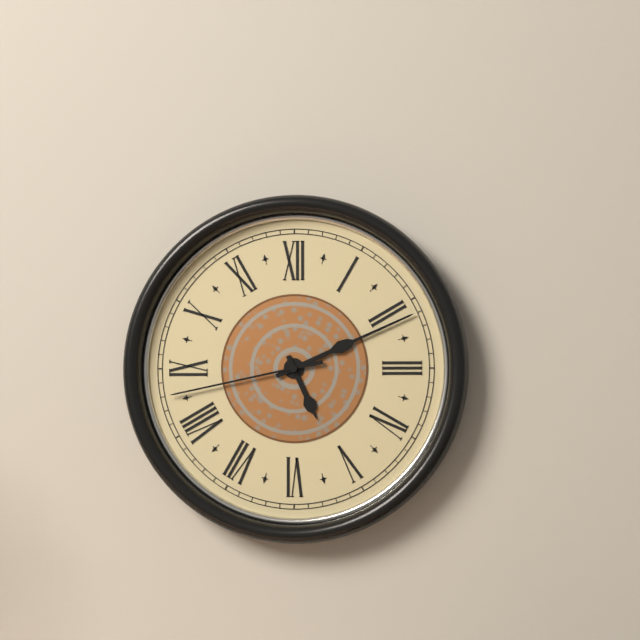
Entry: 5:11:43
